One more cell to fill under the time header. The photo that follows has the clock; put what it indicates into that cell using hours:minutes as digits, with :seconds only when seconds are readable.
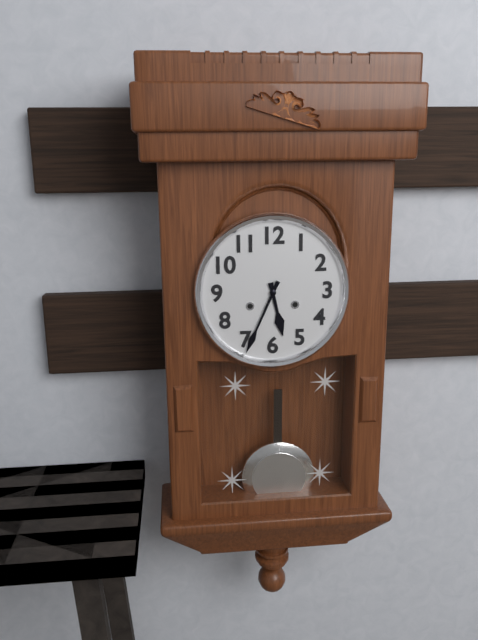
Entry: 5:34
